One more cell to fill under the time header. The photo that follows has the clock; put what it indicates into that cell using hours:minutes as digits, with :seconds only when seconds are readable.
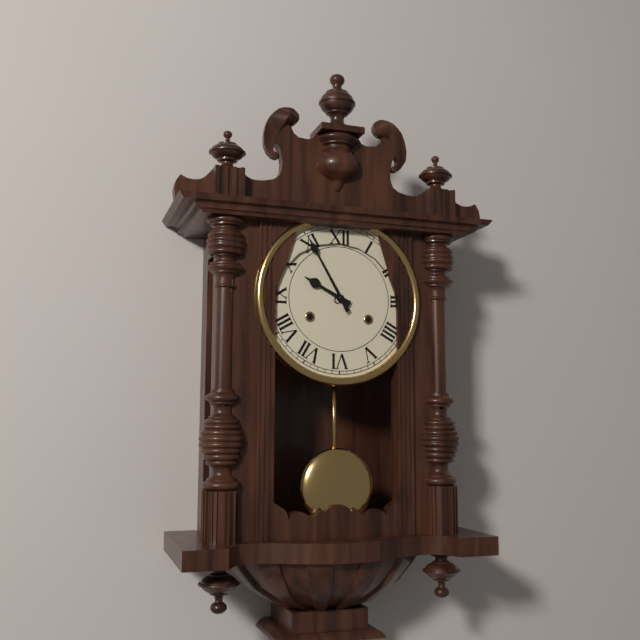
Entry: 9:55
